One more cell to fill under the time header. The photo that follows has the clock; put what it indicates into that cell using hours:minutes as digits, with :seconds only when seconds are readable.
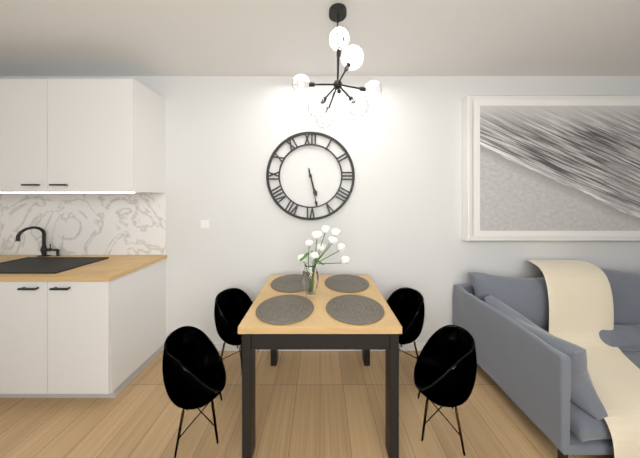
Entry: 5:28
